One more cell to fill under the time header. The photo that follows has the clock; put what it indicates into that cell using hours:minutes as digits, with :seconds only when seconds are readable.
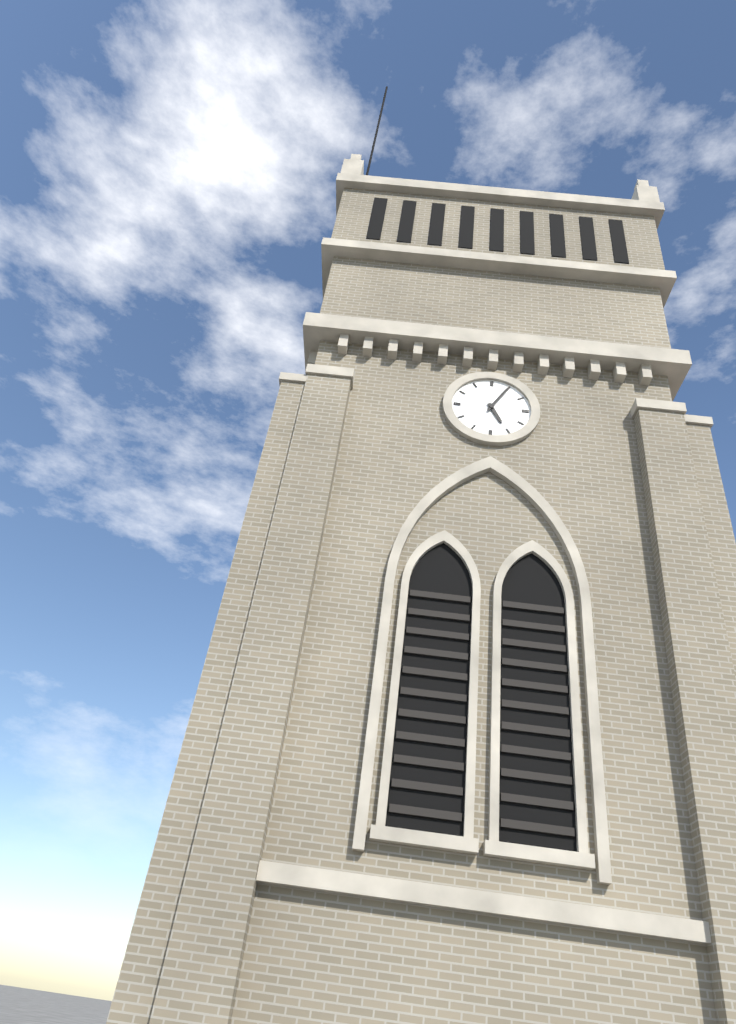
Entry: 5:05
